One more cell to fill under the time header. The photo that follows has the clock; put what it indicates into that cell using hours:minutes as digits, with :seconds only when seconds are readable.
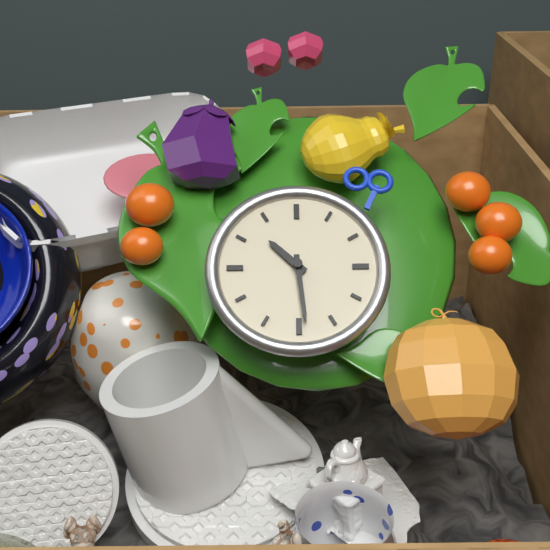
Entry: 10:29
